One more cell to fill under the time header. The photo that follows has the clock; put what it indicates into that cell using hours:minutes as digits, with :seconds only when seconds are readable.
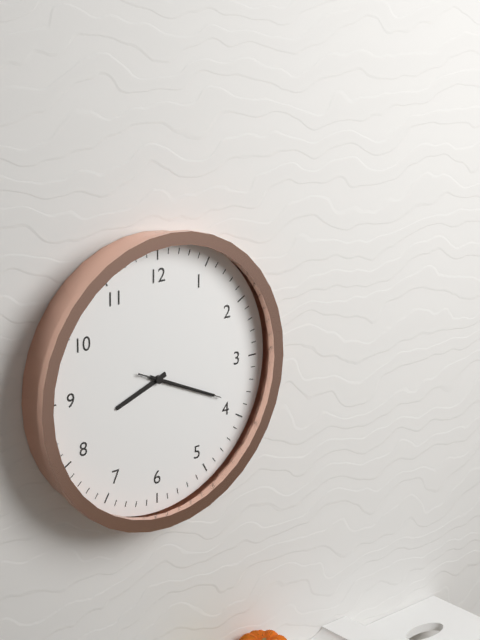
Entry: 8:19:19
